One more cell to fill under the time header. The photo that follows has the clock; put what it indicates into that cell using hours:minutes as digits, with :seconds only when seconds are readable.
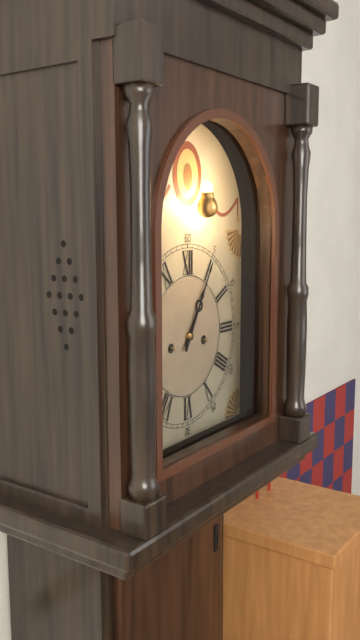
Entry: 1:05
